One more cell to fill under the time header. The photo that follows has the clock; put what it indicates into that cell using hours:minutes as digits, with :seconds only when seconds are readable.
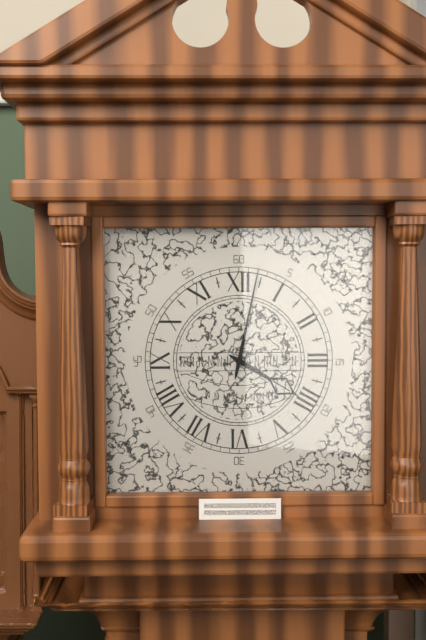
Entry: 4:02
